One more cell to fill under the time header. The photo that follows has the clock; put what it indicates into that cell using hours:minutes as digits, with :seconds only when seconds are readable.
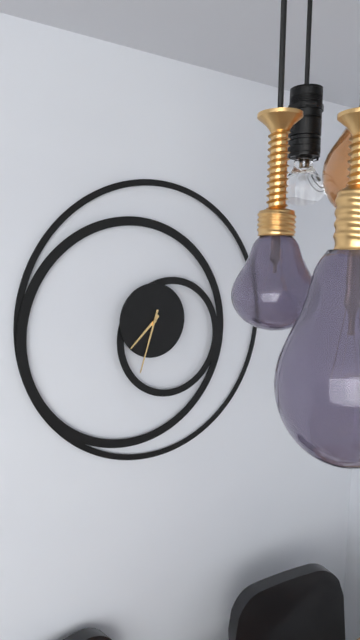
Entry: 7:33
